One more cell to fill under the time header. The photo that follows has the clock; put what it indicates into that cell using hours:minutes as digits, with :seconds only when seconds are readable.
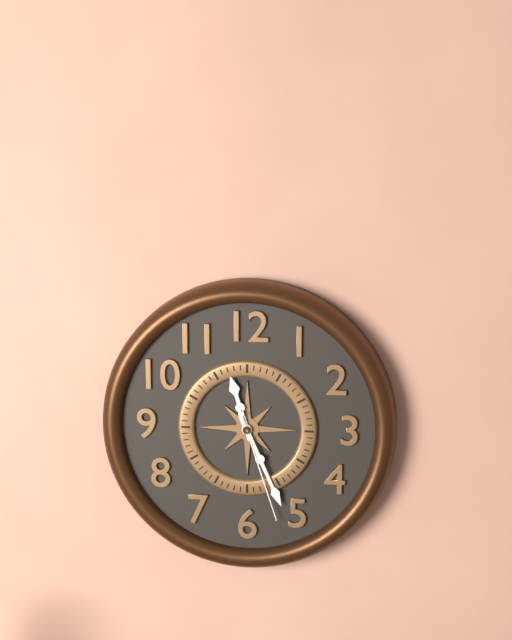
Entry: 11:26:27
